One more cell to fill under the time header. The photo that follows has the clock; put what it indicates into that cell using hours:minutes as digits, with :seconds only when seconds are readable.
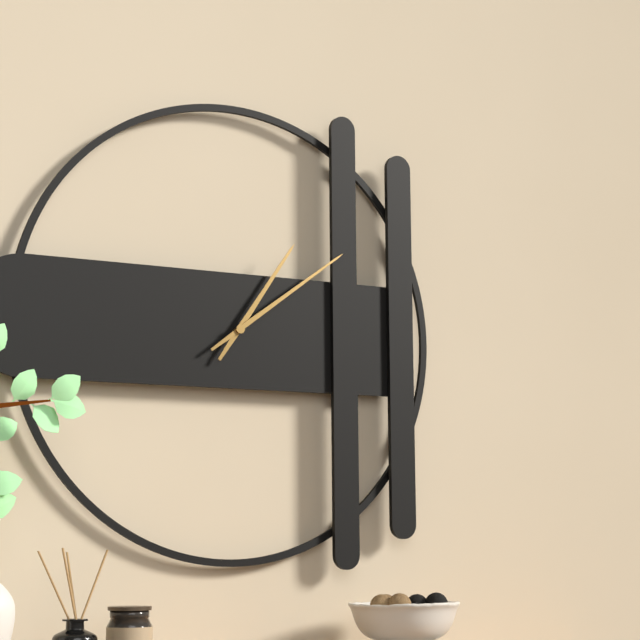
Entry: 1:09
